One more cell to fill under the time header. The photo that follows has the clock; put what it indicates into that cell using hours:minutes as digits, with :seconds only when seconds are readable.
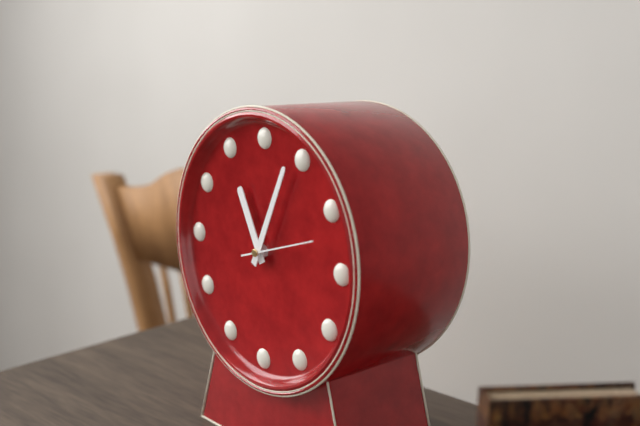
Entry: 11:04:12
